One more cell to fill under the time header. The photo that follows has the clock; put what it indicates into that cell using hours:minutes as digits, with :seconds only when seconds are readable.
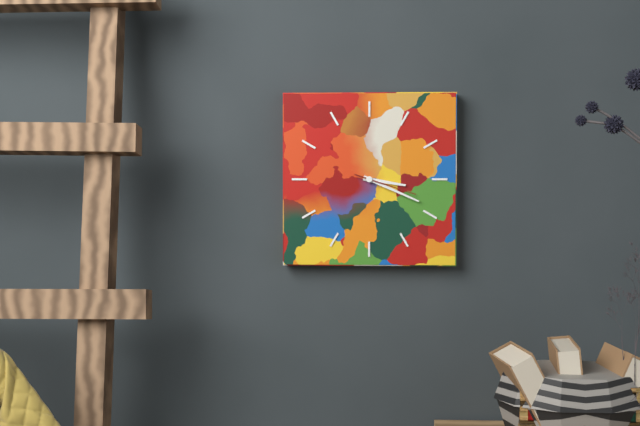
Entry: 3:19:18
